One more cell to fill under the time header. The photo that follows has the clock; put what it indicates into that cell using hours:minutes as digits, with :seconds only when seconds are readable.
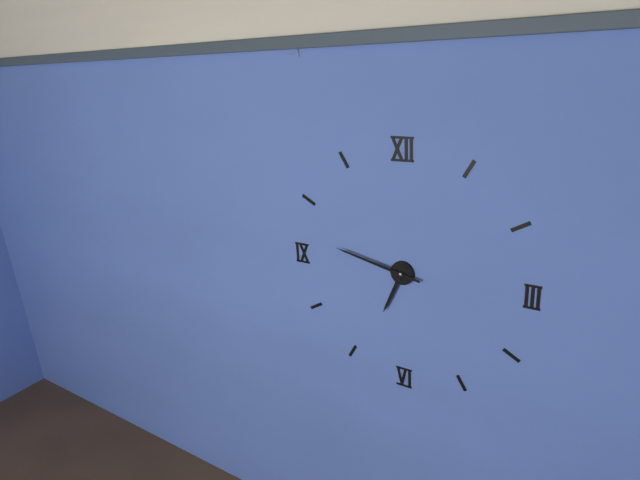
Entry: 6:47
